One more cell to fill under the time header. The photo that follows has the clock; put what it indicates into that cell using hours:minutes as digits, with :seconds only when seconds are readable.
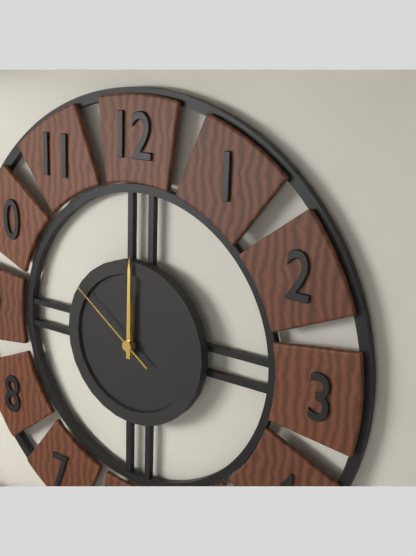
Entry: 12:00:51
